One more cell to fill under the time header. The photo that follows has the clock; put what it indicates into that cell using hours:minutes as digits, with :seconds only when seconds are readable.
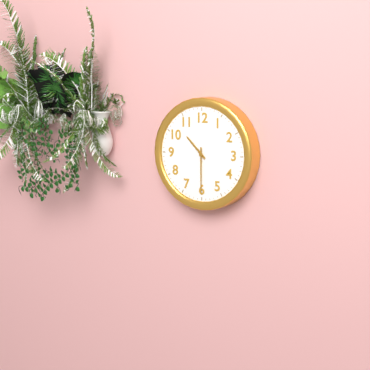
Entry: 10:30
